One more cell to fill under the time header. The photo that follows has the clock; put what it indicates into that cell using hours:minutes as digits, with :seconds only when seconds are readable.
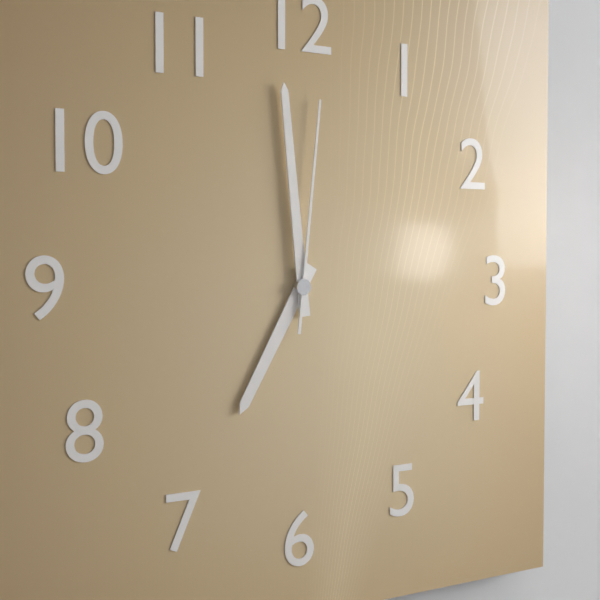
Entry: 6:59:01
